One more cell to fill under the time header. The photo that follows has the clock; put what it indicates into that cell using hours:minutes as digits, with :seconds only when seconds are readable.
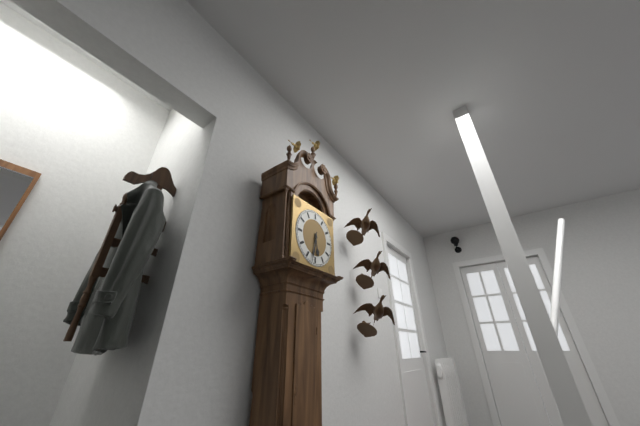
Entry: 5:32
